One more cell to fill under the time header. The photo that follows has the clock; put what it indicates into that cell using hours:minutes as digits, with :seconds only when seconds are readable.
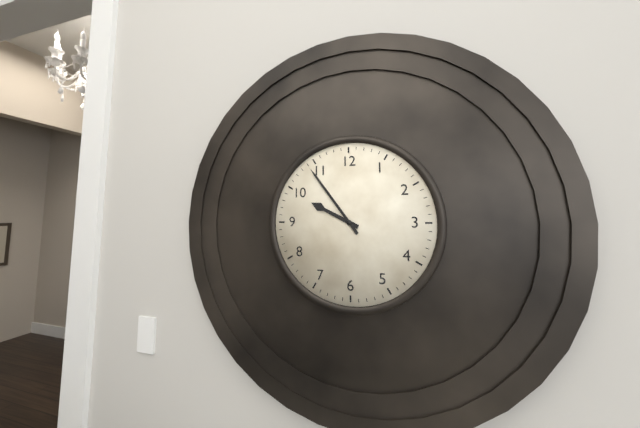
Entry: 9:54
